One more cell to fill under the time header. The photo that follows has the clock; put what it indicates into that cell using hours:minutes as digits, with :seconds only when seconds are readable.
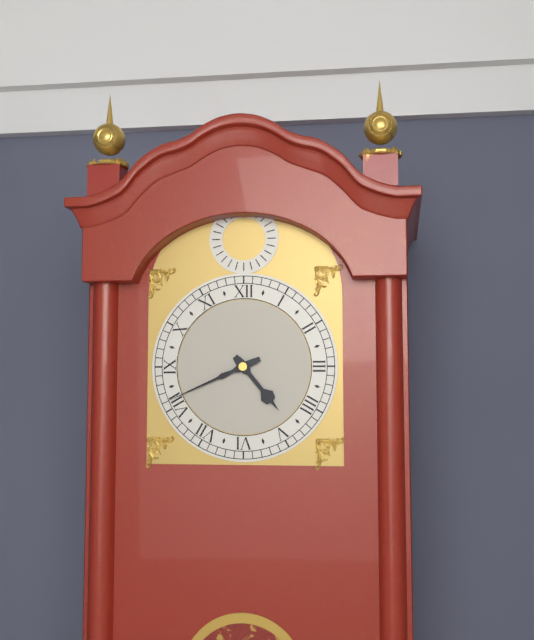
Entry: 4:41
